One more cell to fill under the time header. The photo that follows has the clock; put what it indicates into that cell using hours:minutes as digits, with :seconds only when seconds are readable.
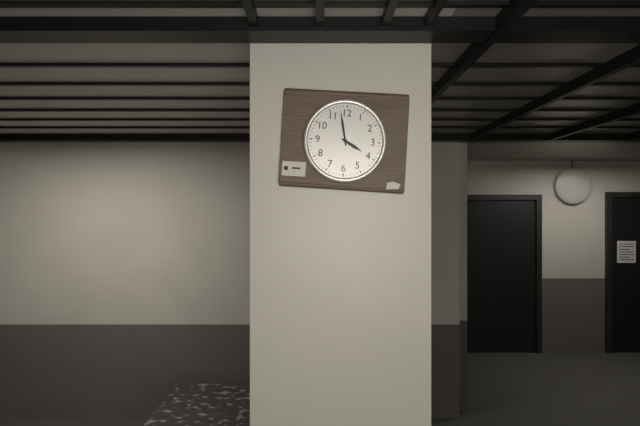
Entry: 3:58
